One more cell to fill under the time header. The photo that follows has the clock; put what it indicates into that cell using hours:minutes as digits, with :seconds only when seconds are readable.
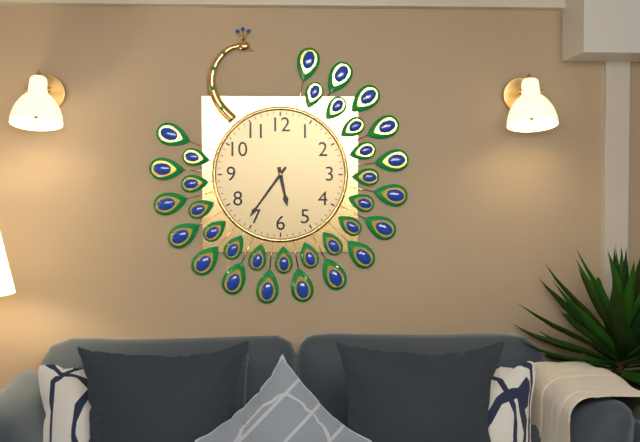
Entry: 5:36
